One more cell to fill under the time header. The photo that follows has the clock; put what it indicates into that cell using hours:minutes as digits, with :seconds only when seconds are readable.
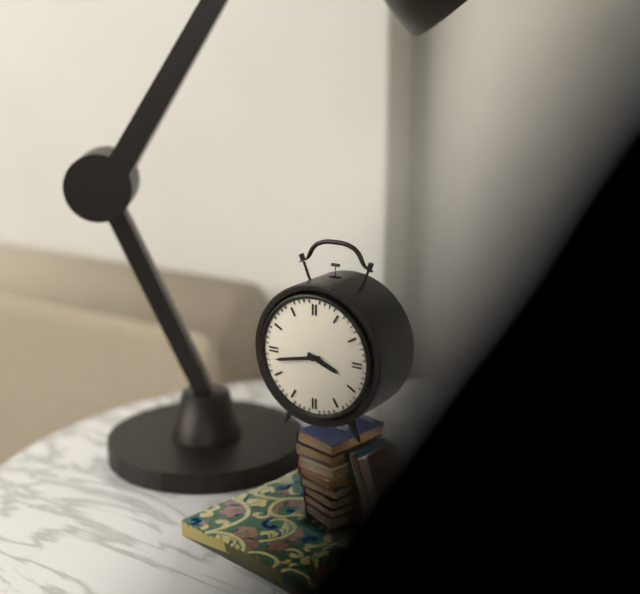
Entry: 3:43
